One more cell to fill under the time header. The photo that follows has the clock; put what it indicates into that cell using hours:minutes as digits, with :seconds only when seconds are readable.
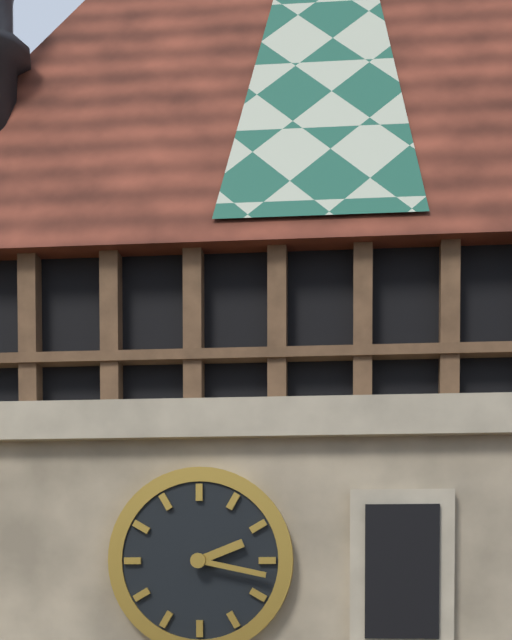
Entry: 2:17
